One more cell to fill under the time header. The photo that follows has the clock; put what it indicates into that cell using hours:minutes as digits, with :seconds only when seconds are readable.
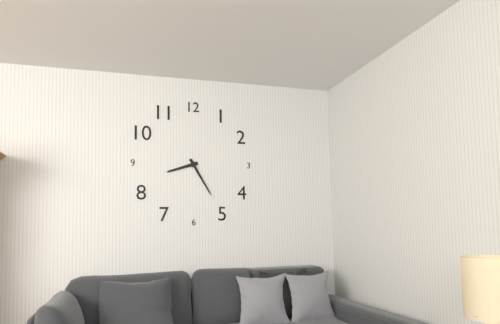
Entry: 8:25
